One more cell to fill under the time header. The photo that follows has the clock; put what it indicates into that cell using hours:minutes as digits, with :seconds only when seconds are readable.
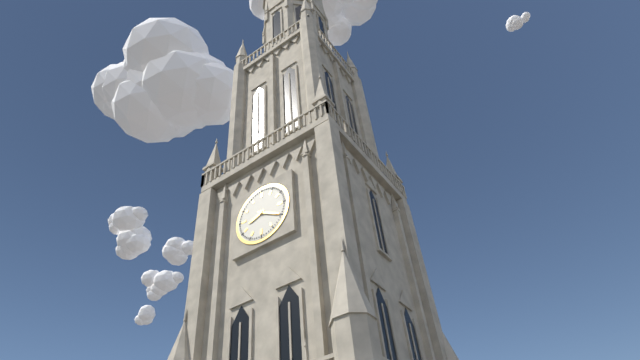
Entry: 8:20
